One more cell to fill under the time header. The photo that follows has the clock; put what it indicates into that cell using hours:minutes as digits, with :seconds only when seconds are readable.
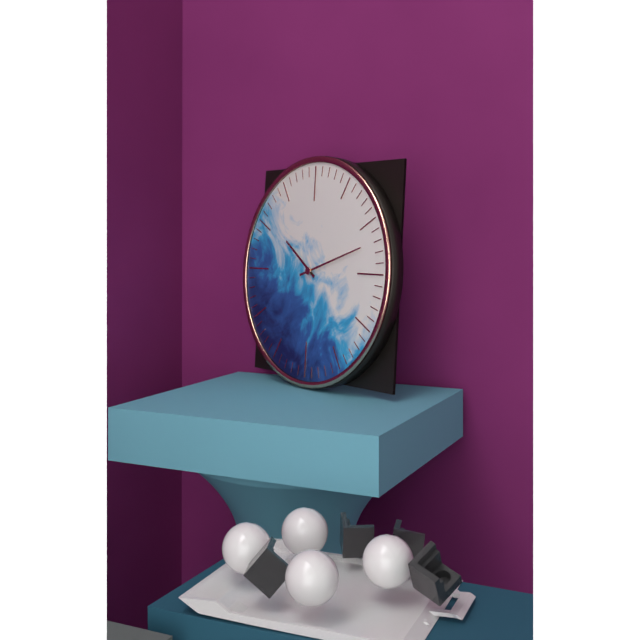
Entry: 10:12
